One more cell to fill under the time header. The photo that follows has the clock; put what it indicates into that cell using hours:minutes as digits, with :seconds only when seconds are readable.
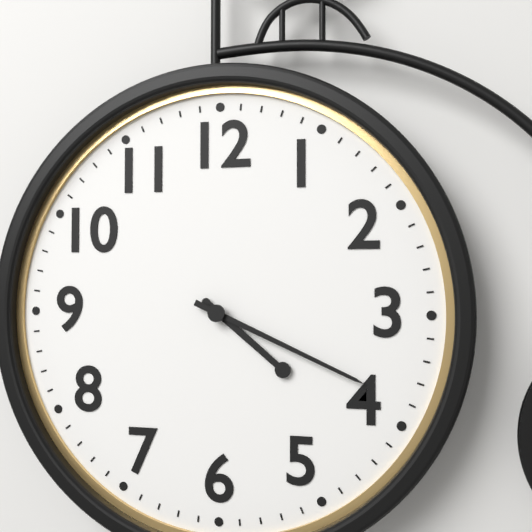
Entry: 4:19
